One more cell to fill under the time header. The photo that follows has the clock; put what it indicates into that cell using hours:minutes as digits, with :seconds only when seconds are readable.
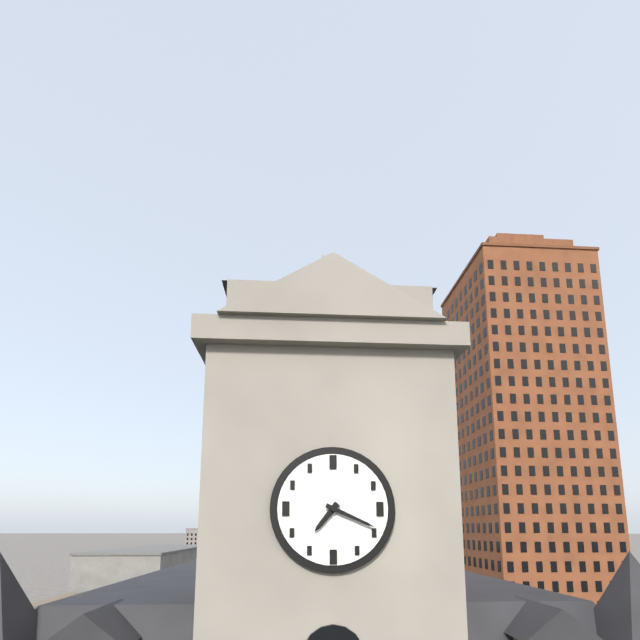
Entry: 7:19
